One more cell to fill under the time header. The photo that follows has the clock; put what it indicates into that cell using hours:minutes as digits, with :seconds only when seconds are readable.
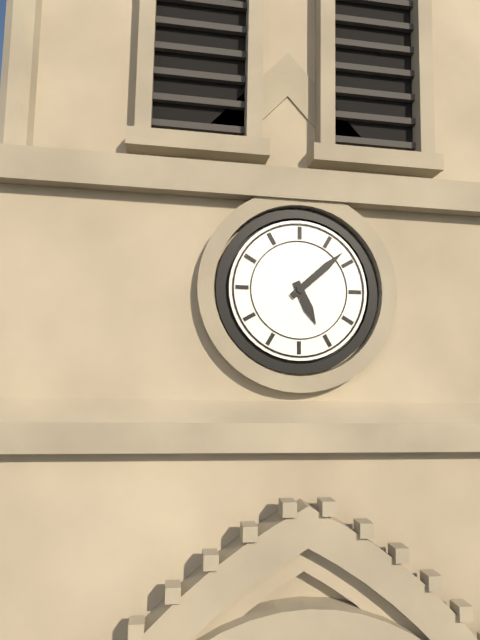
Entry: 5:08
